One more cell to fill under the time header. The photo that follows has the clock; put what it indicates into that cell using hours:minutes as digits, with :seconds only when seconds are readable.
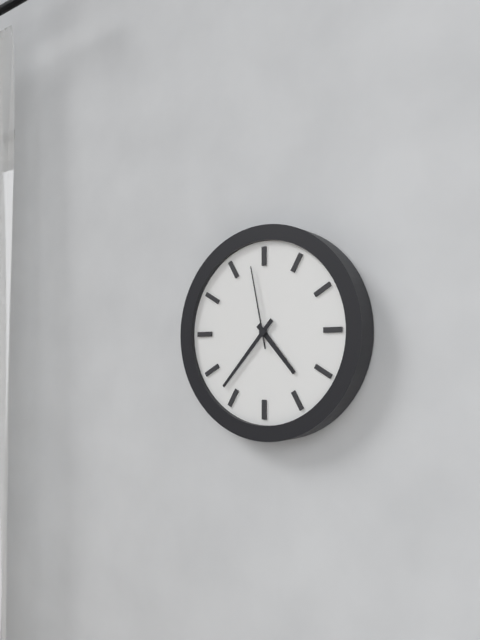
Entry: 4:37:58
